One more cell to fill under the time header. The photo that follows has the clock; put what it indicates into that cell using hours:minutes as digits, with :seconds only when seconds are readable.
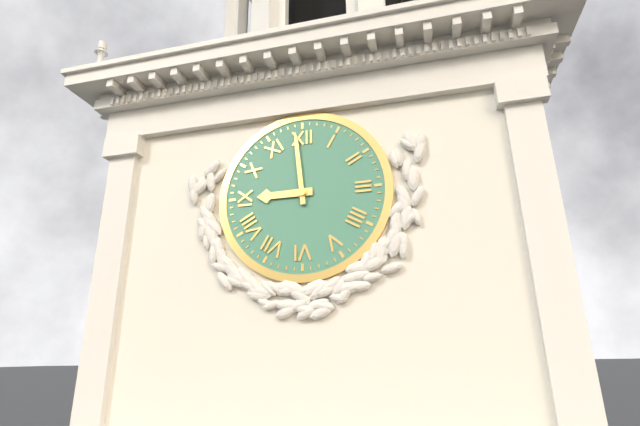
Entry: 8:59
